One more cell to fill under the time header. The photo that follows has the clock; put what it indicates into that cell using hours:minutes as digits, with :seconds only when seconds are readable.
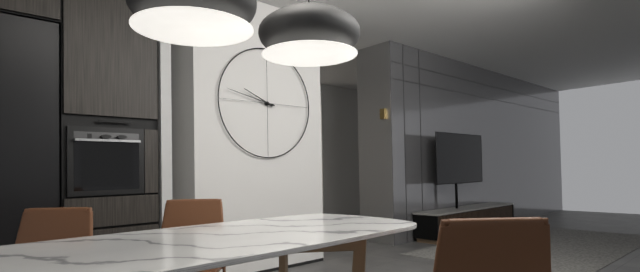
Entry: 9:47
